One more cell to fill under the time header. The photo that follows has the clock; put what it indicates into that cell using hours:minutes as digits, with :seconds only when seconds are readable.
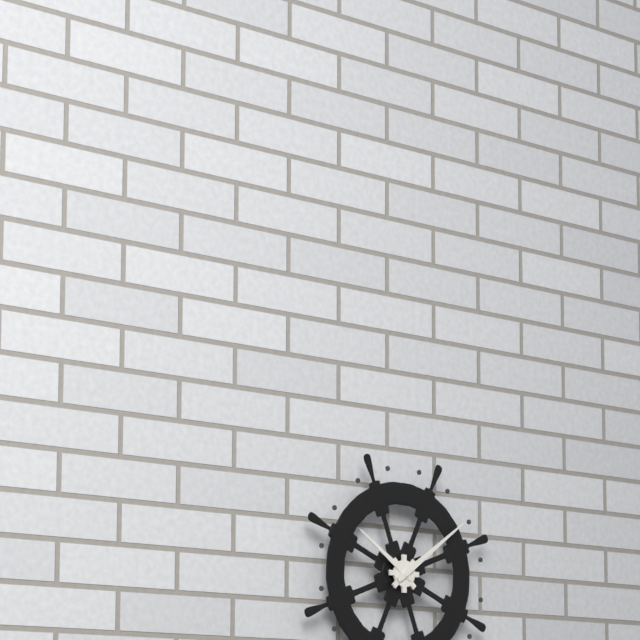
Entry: 10:09
